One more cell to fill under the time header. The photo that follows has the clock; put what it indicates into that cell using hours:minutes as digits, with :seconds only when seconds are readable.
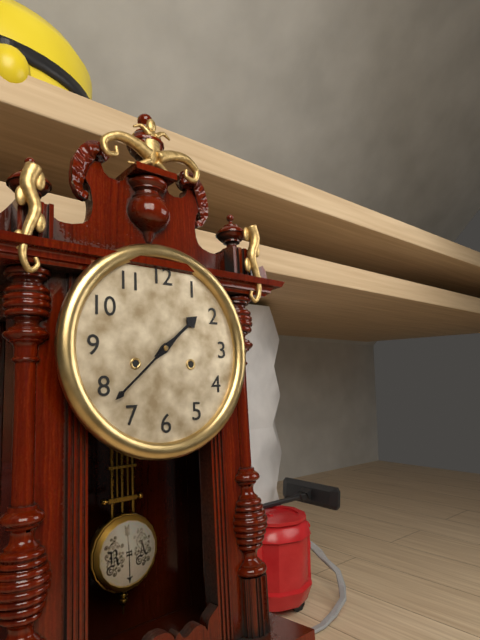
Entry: 1:38
